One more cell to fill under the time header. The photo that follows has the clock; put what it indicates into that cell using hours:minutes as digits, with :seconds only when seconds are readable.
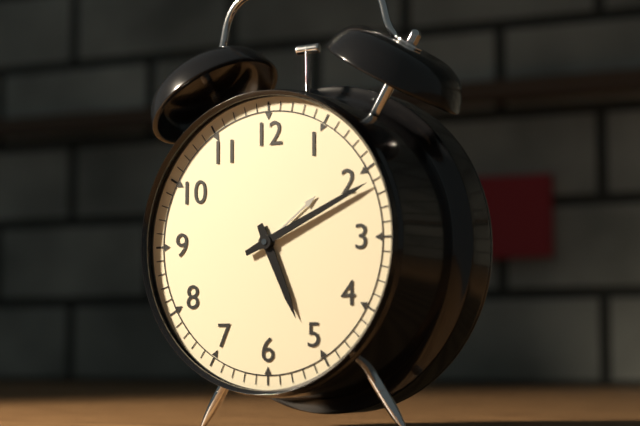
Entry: 5:11
